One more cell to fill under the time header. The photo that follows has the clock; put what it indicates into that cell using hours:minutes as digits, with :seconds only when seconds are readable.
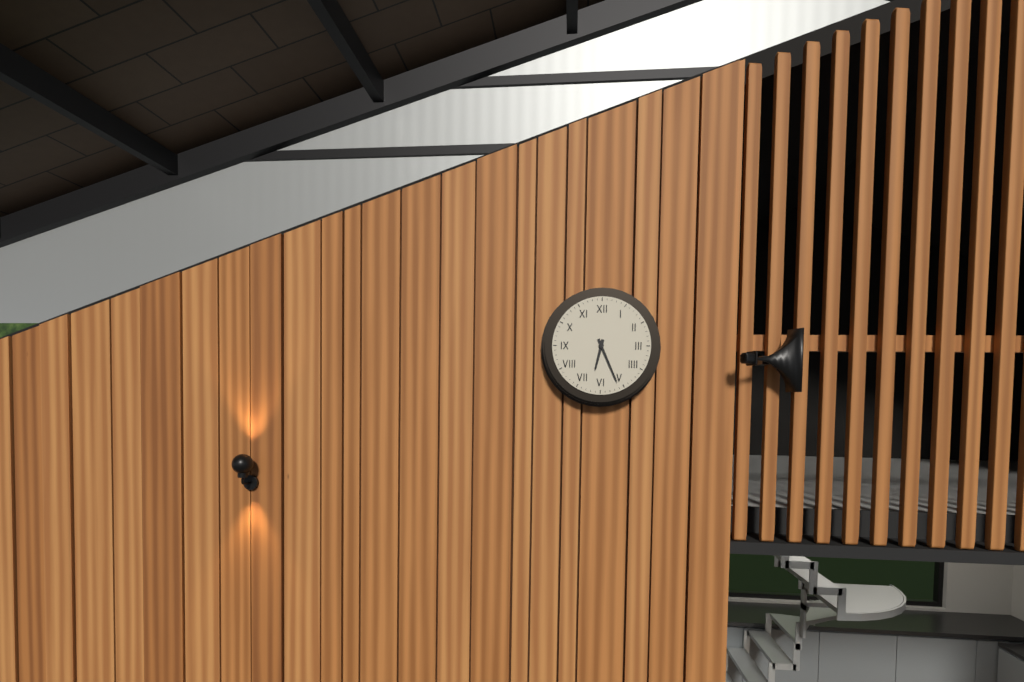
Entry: 6:26
